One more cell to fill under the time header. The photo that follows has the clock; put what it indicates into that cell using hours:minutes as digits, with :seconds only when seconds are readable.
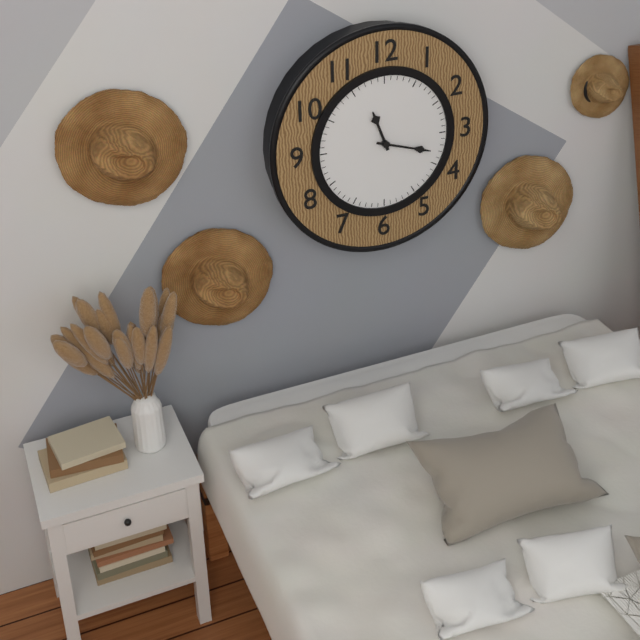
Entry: 11:18
